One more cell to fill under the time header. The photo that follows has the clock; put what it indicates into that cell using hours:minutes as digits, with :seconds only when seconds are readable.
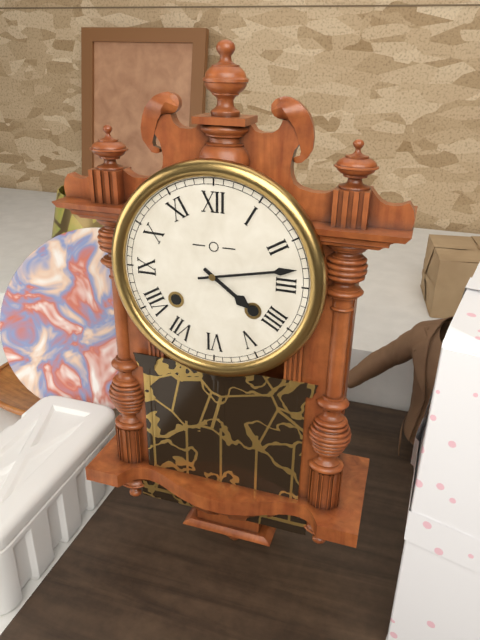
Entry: 4:13
